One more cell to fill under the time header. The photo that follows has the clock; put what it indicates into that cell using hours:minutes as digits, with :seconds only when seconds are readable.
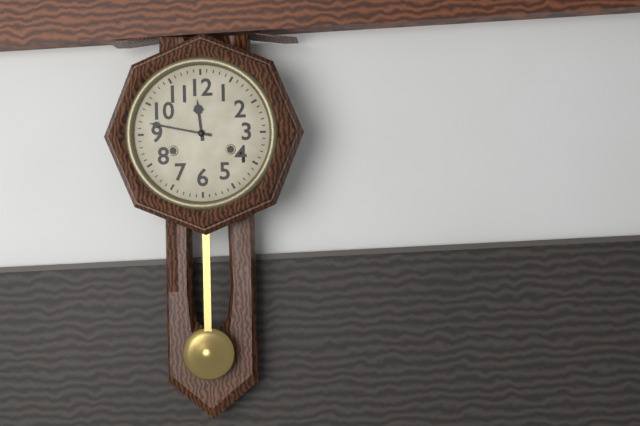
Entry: 11:47
